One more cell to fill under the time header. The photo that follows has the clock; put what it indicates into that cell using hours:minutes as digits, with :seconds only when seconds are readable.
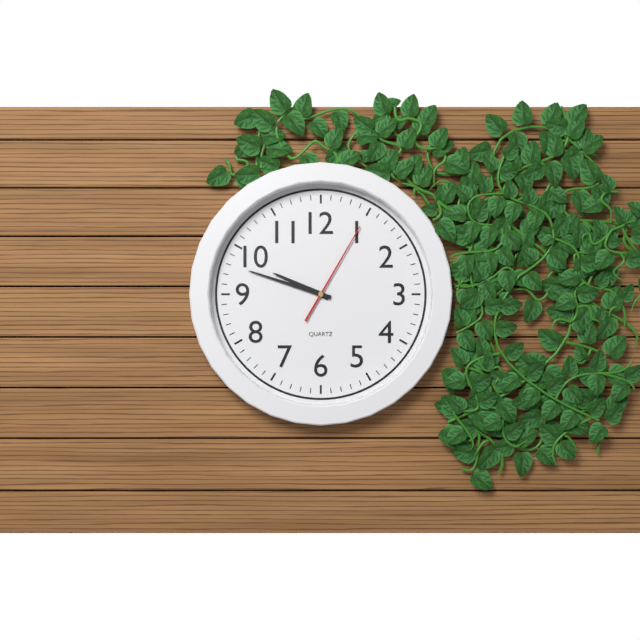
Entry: 9:48:05
